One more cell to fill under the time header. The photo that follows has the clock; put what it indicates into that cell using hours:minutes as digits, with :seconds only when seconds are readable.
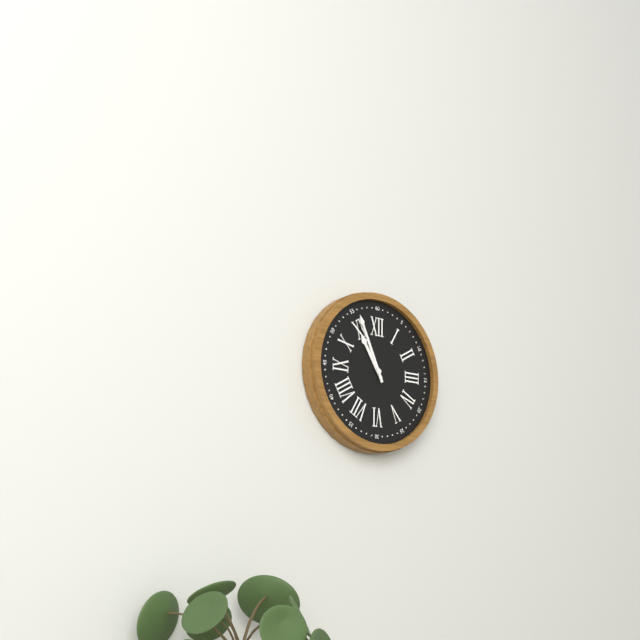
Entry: 10:56
